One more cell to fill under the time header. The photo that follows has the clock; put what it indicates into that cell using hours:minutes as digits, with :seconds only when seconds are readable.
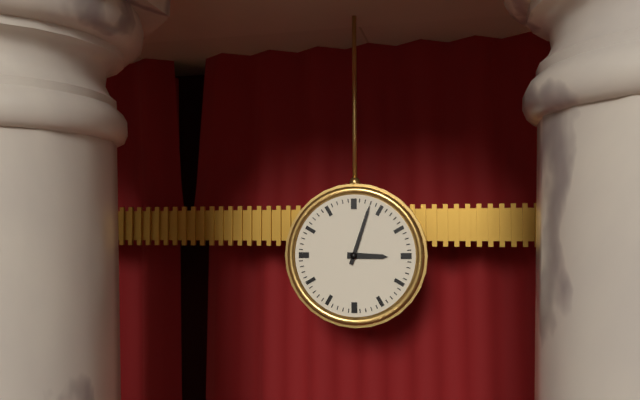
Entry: 3:03
